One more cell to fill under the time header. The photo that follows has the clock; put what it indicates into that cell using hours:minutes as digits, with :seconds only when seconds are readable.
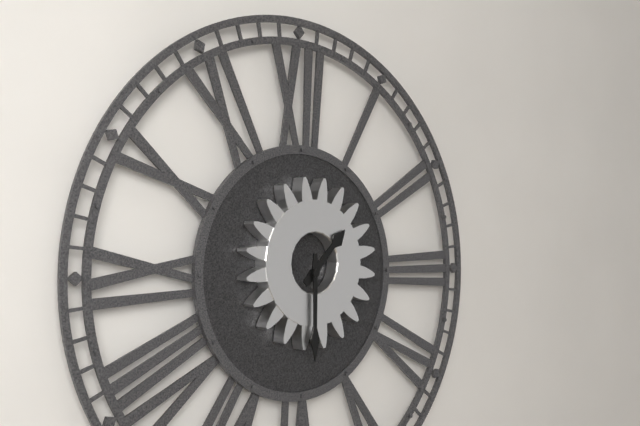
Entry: 1:30
